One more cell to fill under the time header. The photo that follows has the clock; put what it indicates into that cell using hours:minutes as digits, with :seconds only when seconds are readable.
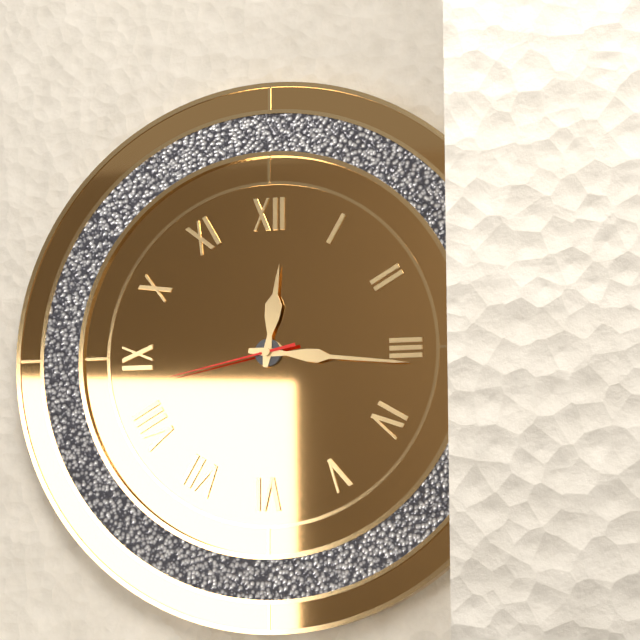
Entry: 12:16:43
